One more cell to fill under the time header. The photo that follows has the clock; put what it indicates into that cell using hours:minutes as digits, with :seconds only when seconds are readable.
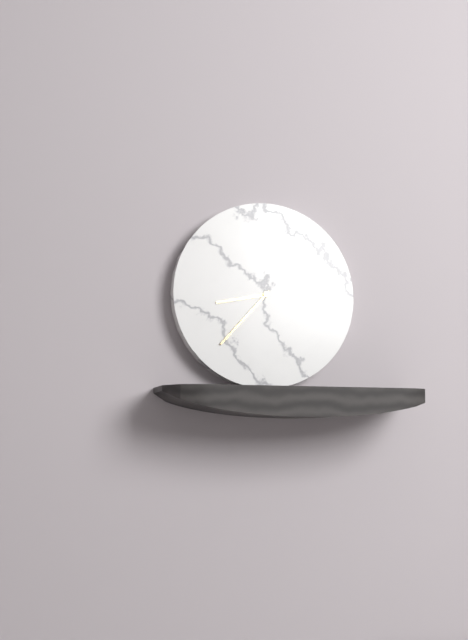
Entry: 8:37
